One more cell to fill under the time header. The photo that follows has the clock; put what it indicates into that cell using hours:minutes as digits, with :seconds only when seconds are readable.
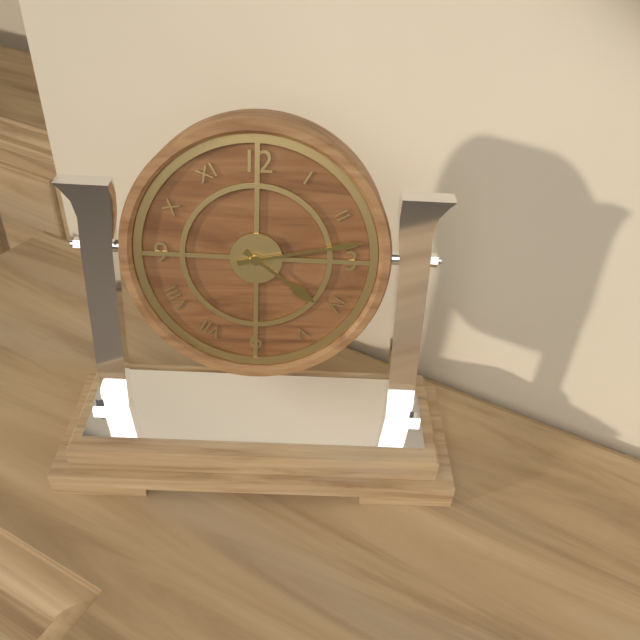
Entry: 4:13
